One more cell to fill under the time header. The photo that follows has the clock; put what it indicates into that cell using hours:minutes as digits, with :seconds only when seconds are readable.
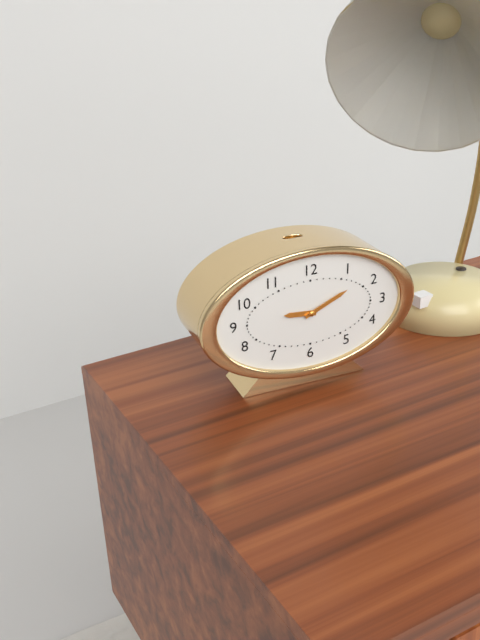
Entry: 9:11
